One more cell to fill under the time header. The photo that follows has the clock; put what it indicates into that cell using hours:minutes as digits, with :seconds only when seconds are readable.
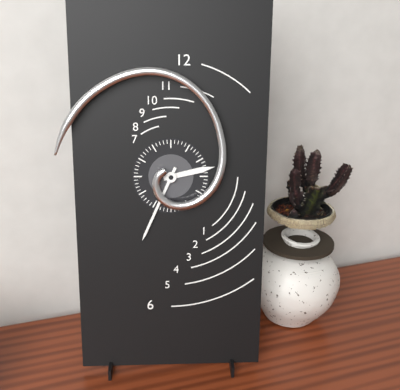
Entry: 2:34
